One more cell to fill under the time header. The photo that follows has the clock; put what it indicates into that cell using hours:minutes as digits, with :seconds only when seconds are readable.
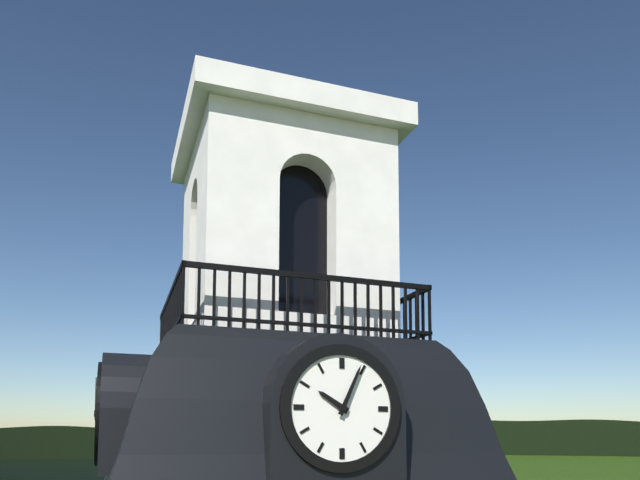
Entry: 10:04
